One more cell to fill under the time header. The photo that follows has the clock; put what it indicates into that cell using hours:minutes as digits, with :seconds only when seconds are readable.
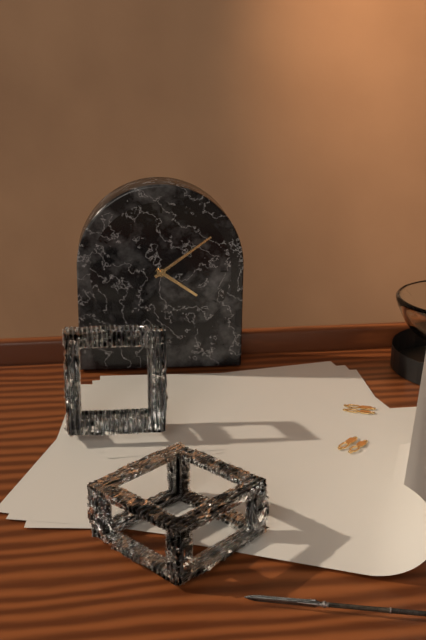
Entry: 4:09
